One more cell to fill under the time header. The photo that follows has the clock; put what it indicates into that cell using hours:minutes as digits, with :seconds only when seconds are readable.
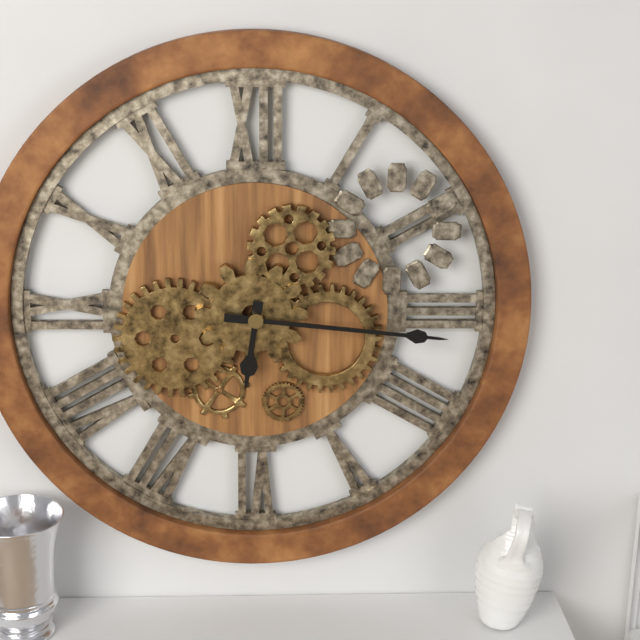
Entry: 6:16
